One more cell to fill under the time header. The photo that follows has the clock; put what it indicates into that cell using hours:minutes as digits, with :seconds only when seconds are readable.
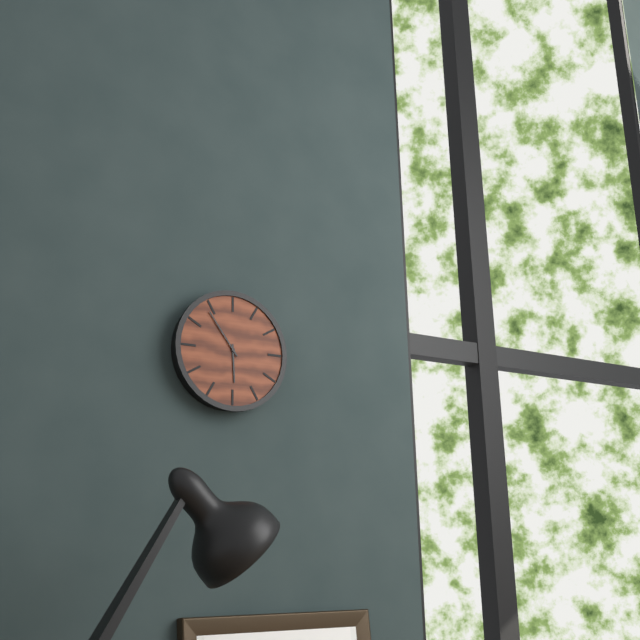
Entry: 5:54
